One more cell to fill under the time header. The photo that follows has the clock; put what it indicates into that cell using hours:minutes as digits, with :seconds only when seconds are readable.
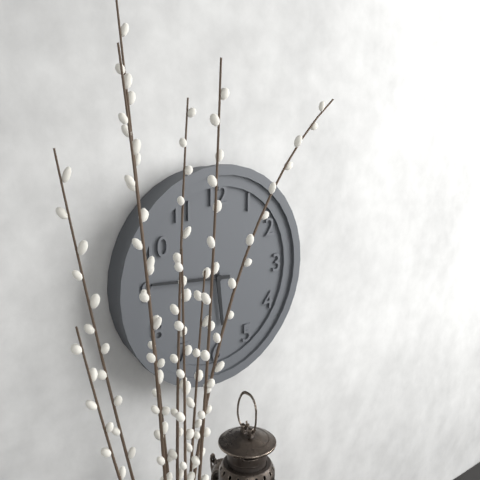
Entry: 5:46
